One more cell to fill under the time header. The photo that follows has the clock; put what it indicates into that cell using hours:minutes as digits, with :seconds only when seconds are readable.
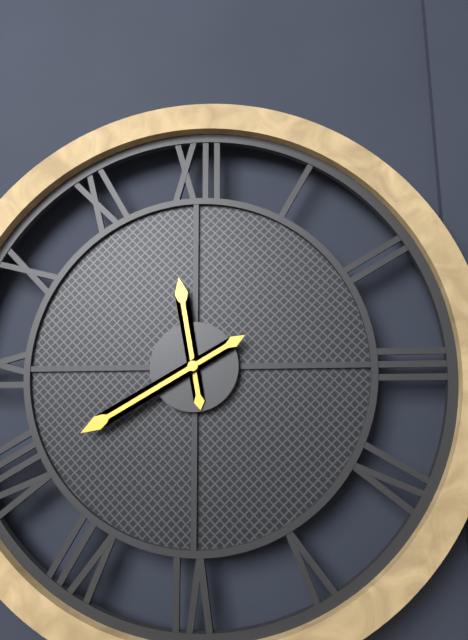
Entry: 11:40
